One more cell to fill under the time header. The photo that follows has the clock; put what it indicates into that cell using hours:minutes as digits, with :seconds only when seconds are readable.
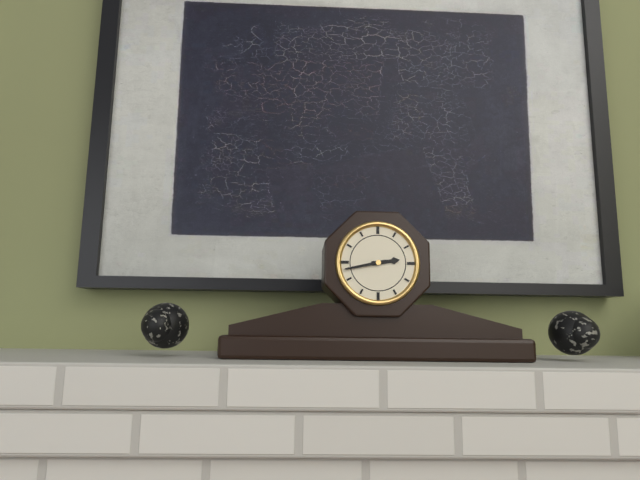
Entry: 2:43
